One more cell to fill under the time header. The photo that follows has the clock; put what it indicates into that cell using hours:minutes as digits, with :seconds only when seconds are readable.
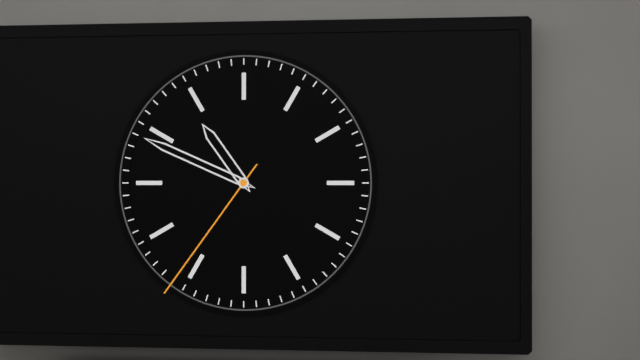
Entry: 10:49:36
